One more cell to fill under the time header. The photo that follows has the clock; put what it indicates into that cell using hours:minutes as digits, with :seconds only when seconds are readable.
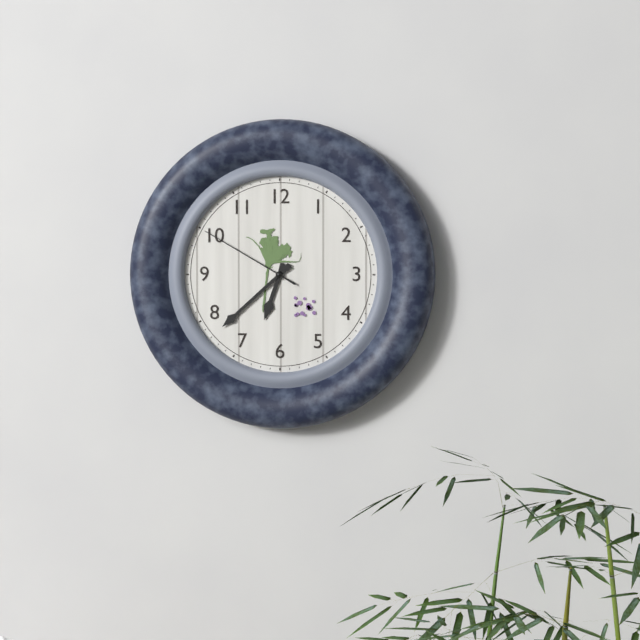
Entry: 6:38:50
